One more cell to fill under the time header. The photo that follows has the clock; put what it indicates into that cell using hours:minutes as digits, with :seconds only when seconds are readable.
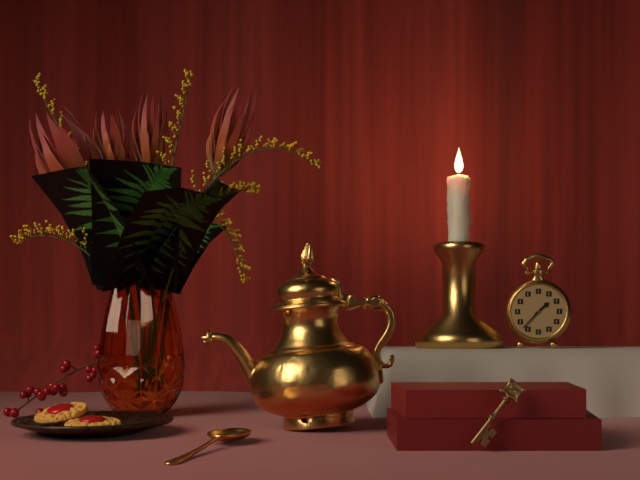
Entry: 1:37
